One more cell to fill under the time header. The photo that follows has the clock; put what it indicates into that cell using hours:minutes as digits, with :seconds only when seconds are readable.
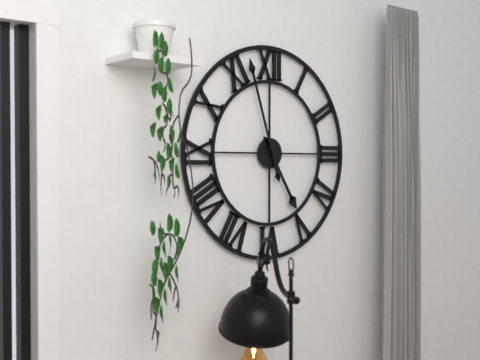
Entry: 4:57
